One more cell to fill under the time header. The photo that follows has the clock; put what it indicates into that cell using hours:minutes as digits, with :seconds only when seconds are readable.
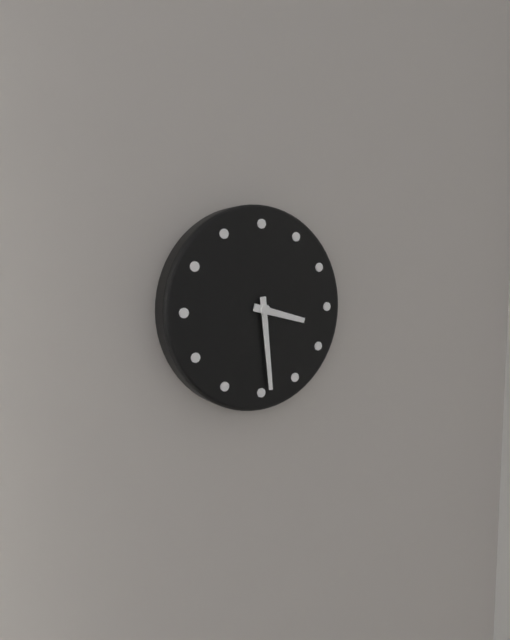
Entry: 3:29
